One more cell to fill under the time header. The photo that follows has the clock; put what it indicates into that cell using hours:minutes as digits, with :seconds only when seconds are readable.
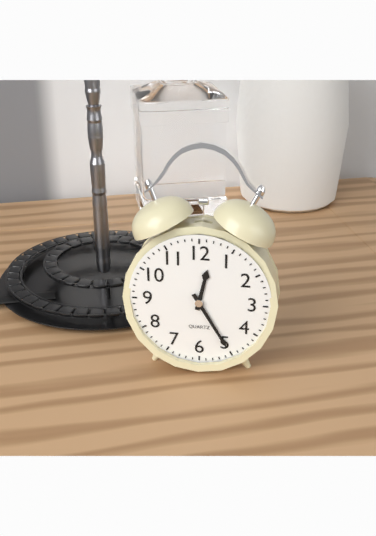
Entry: 12:25
